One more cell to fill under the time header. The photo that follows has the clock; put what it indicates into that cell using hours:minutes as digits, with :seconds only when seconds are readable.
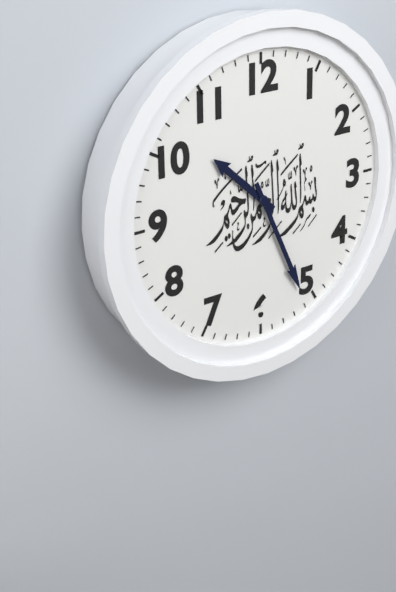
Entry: 10:26
